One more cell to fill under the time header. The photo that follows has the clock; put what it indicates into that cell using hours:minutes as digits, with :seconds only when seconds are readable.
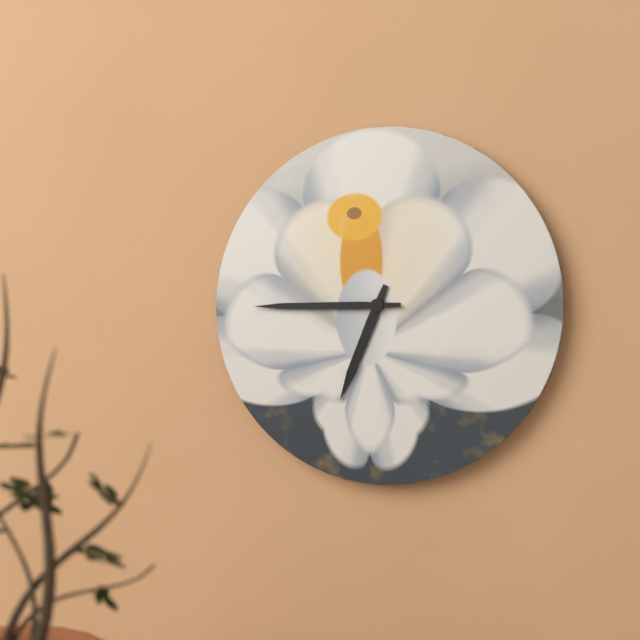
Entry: 6:45
